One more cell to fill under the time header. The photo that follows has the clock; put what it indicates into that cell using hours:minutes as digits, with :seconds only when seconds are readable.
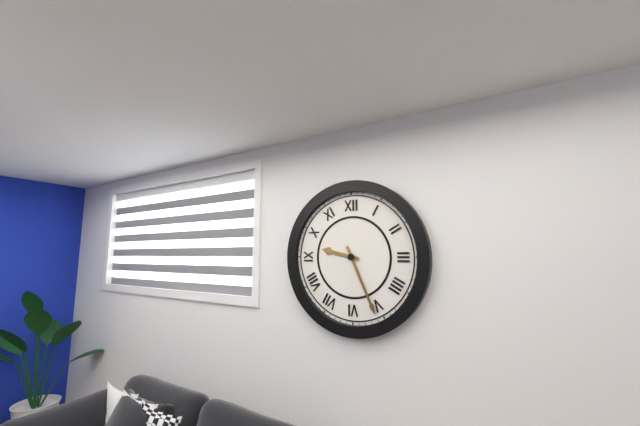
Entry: 9:26
